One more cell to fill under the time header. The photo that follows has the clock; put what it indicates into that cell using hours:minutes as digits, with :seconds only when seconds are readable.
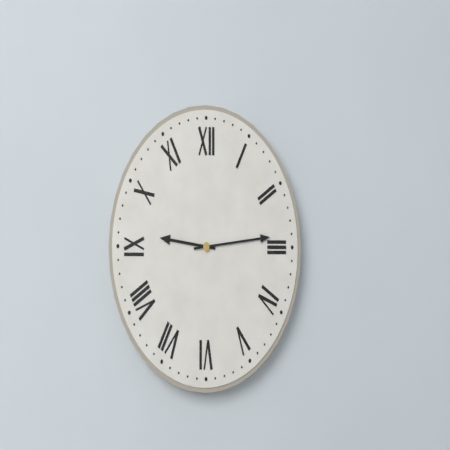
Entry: 9:14
